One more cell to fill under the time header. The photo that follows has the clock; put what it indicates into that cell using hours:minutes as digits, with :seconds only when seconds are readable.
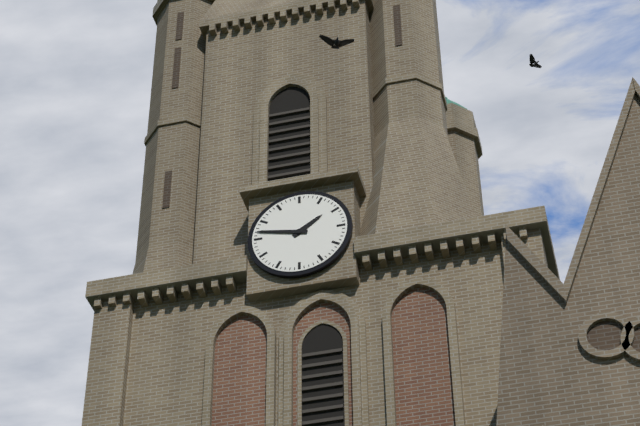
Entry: 1:47
